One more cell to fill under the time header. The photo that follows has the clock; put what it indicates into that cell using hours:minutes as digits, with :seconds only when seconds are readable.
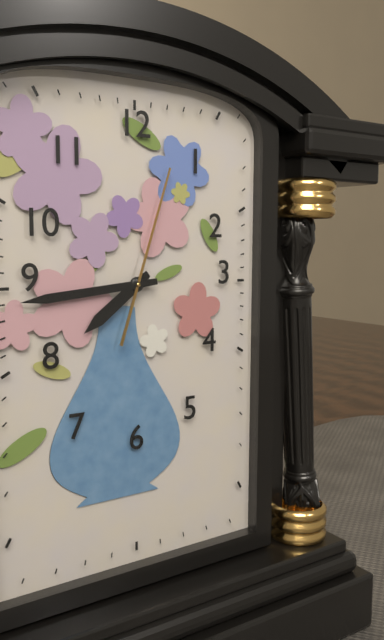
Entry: 7:44:03
